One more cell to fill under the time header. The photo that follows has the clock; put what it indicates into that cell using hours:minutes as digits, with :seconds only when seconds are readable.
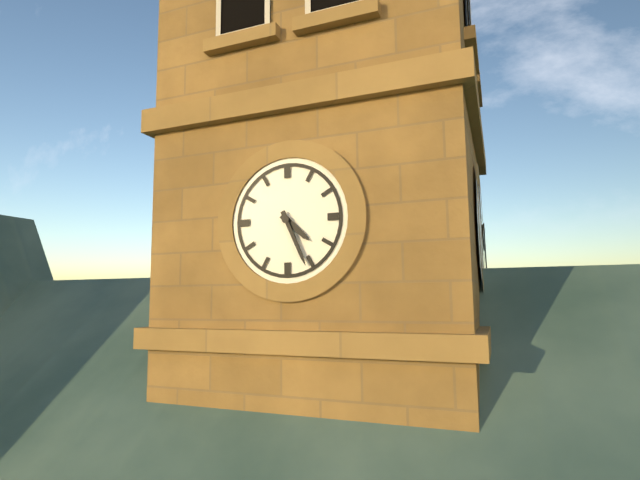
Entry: 4:26
